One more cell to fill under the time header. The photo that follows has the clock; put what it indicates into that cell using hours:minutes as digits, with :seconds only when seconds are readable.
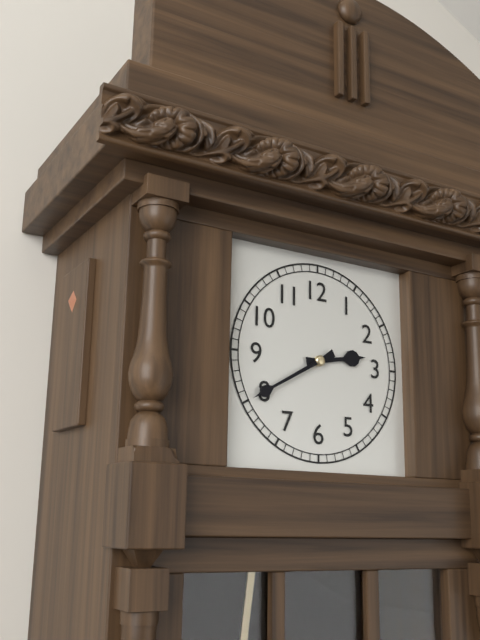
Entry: 2:40
